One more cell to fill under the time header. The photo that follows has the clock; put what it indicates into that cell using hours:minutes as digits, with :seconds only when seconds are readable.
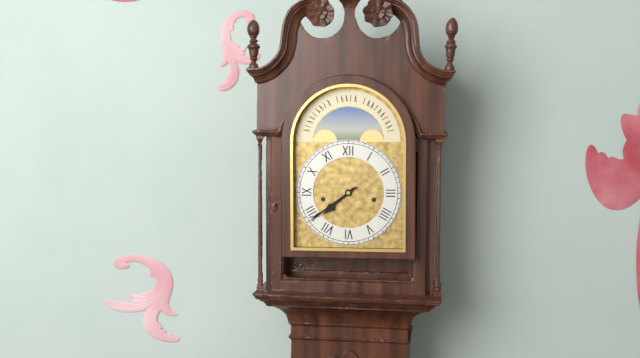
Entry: 7:39
